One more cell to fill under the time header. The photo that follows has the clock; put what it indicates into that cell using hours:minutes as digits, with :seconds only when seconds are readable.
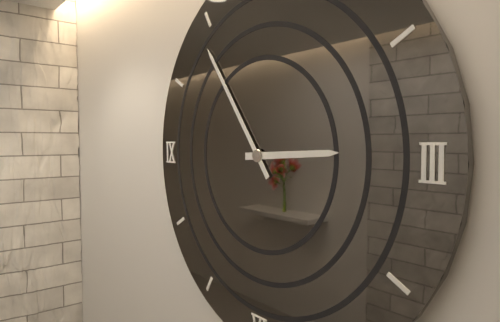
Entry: 2:54
